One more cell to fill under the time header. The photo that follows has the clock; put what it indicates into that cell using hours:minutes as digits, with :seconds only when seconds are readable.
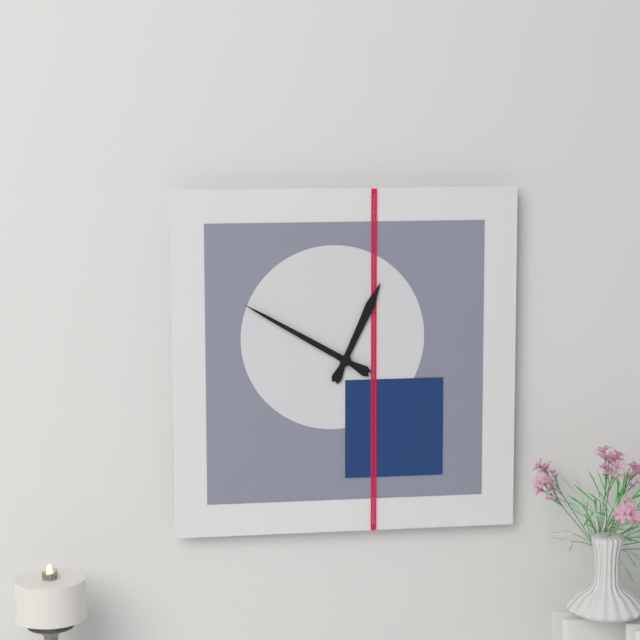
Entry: 12:50
